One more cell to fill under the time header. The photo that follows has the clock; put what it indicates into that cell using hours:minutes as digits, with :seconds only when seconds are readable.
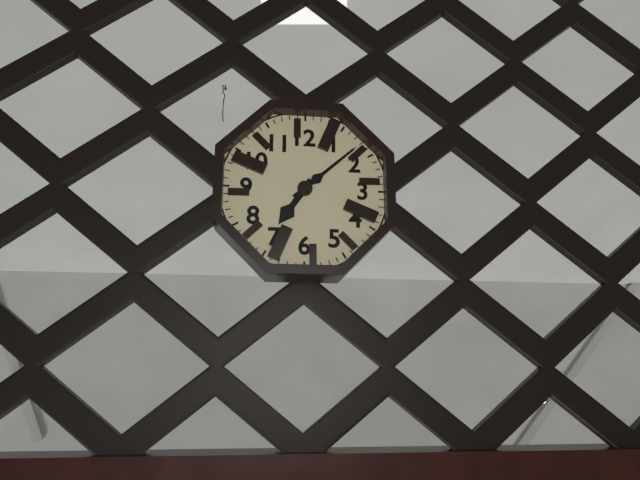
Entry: 7:08
